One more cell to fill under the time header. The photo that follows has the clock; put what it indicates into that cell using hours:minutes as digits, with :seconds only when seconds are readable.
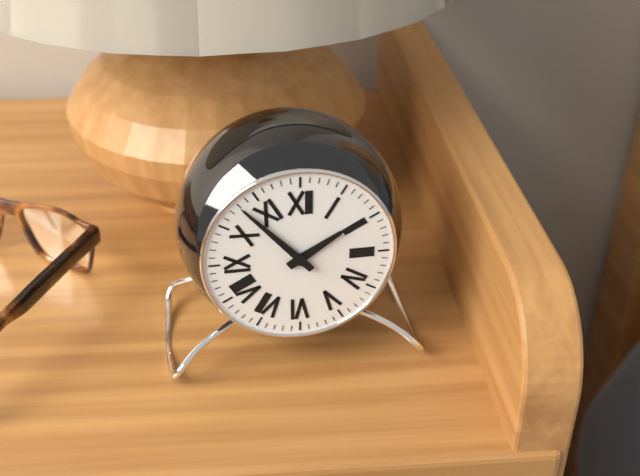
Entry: 1:53
